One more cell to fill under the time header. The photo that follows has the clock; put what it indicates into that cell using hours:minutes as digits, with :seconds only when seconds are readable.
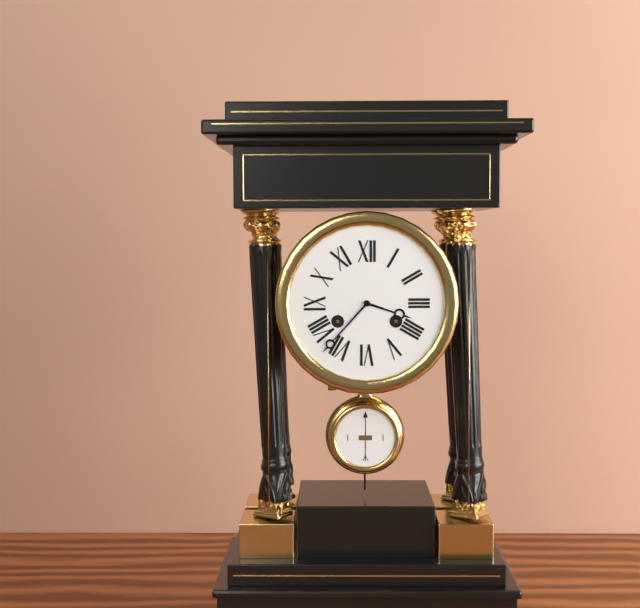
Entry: 3:37
